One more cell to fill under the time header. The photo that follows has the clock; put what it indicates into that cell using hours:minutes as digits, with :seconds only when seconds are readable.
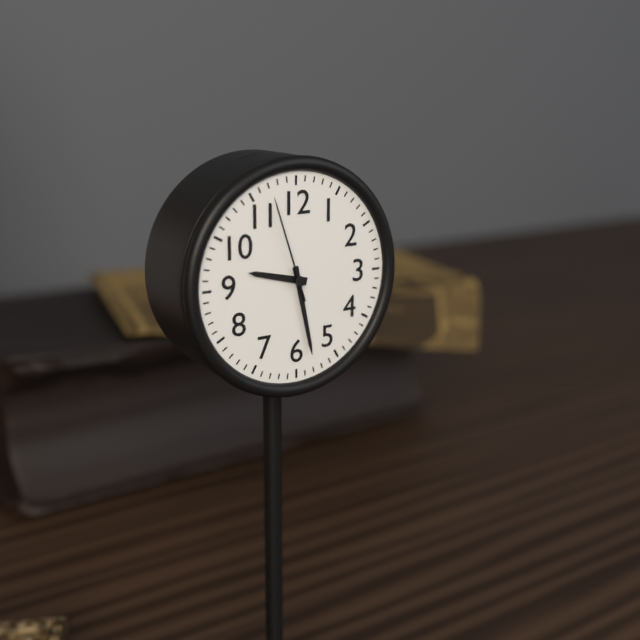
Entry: 9:28:57
